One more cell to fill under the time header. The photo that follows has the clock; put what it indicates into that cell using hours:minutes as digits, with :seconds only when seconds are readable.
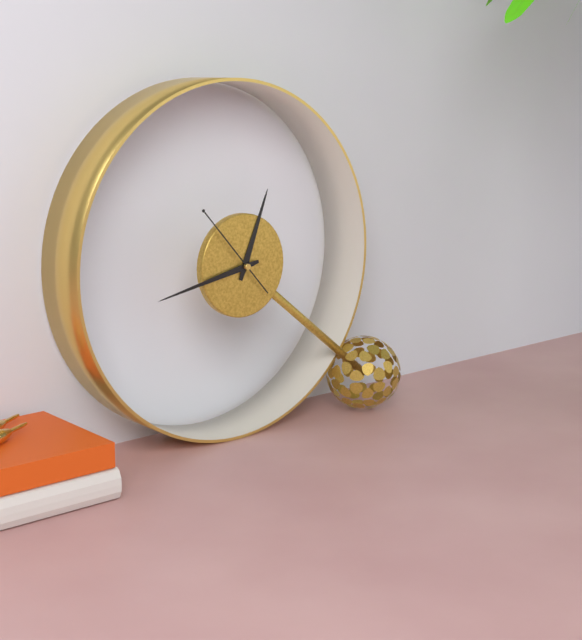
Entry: 12:43:53
